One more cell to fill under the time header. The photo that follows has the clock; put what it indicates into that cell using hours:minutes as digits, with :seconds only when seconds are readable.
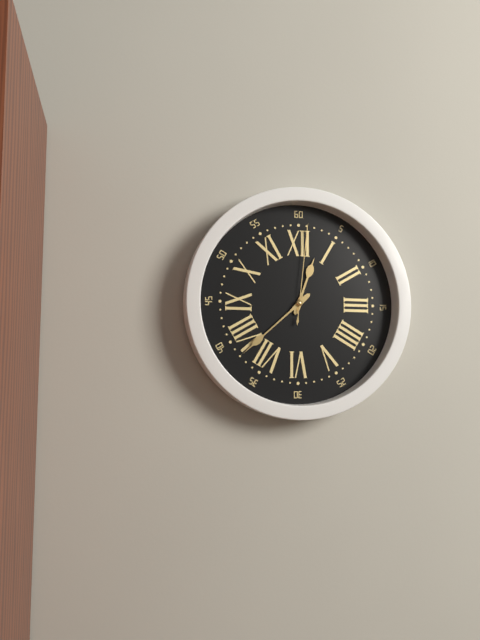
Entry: 12:38:01
